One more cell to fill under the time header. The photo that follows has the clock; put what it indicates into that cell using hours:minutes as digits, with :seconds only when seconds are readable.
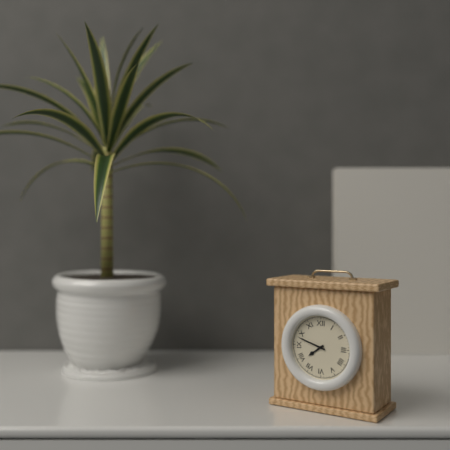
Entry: 7:48
